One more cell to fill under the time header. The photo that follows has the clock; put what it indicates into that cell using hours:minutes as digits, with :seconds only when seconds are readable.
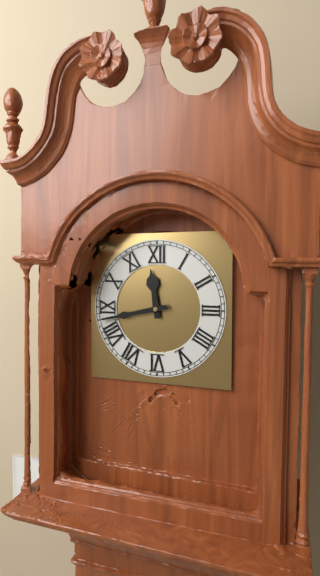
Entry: 11:43
